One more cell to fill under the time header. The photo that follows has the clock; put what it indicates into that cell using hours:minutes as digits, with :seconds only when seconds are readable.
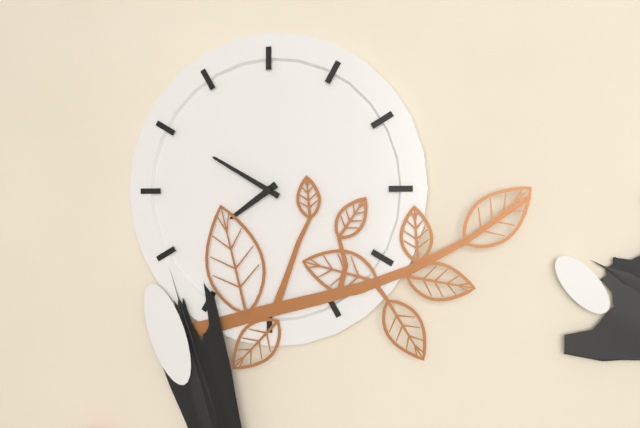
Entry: 7:50
